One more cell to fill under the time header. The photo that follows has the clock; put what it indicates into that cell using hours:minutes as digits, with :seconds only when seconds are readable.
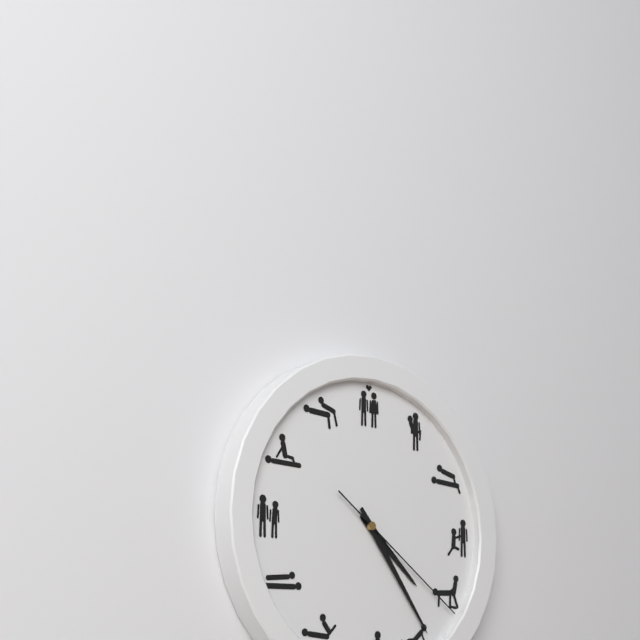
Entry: 4:24:21
